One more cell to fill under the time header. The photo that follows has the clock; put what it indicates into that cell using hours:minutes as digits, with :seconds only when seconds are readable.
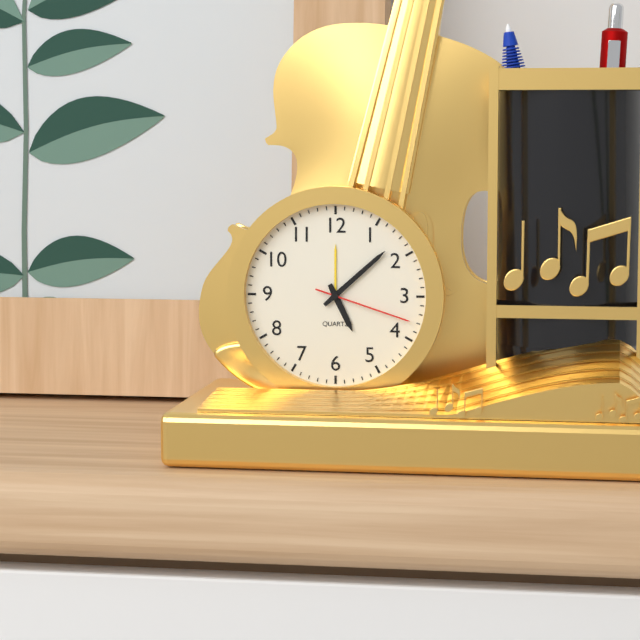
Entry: 5:08:18
